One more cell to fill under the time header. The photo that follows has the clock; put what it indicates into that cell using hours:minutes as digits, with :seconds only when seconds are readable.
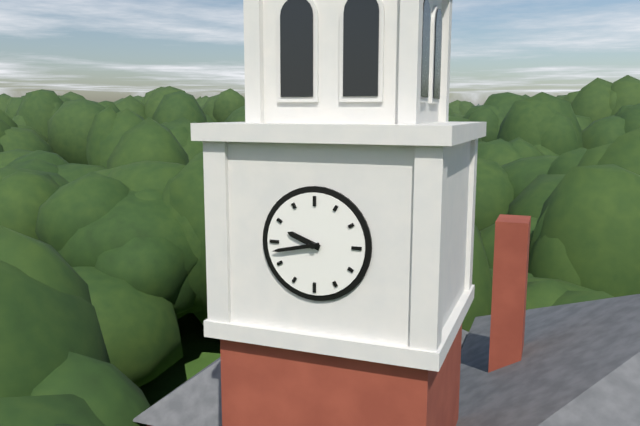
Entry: 9:43
